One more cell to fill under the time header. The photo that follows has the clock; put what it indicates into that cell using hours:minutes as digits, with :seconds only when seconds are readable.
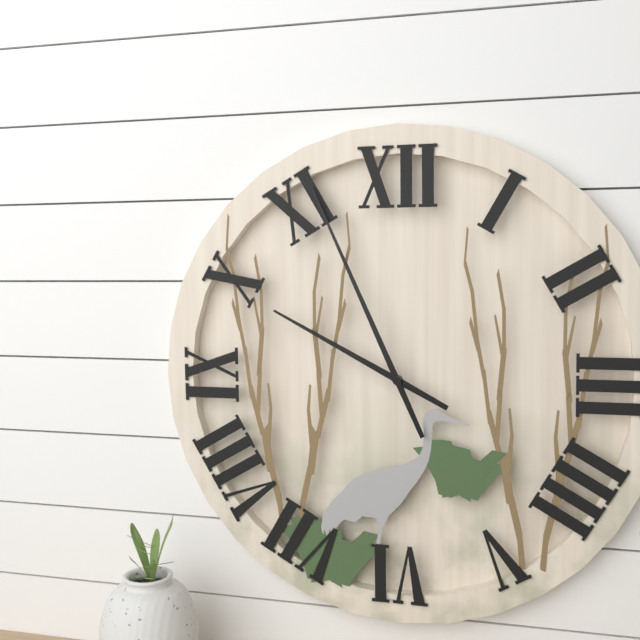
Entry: 9:56
